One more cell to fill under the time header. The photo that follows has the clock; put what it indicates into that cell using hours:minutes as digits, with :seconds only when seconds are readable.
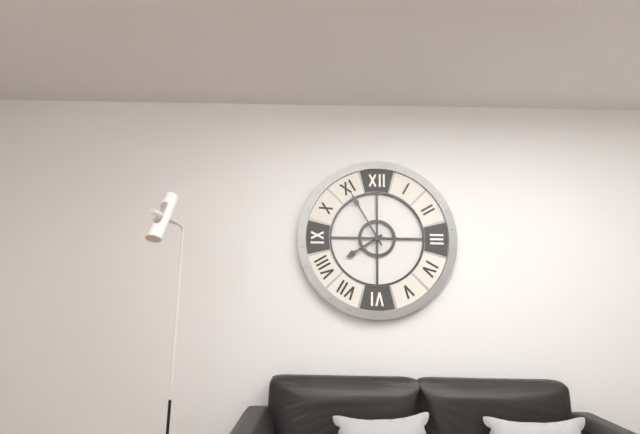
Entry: 7:55
